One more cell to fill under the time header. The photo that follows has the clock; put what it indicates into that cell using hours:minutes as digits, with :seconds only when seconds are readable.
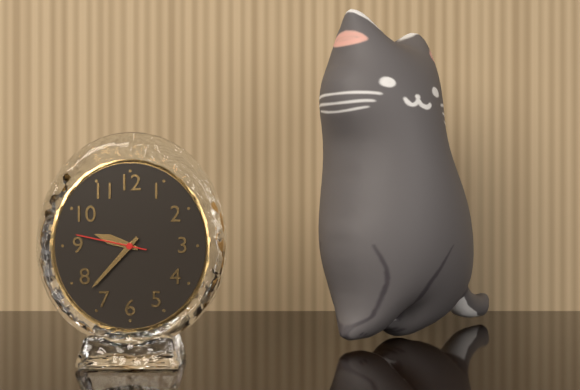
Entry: 9:37:47
